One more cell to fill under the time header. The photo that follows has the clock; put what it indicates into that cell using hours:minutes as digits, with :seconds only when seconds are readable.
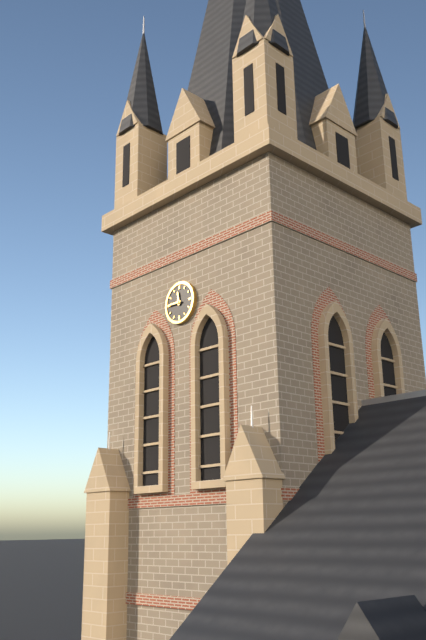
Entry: 11:45
